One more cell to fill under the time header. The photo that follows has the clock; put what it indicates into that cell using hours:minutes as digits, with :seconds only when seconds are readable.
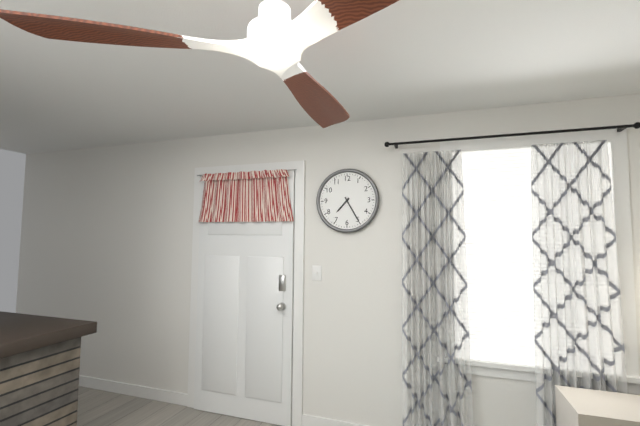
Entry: 7:25
